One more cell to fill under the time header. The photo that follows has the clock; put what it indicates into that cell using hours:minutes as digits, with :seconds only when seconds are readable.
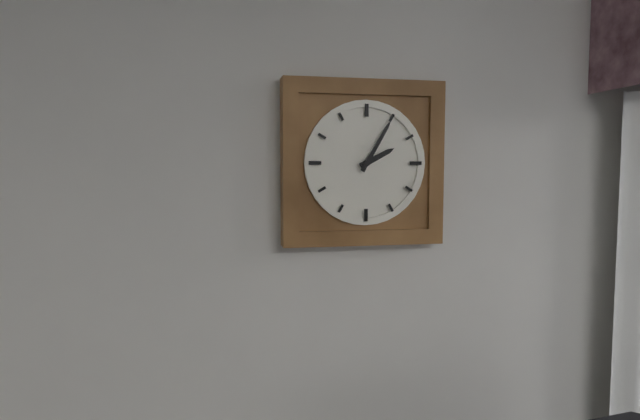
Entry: 2:05
